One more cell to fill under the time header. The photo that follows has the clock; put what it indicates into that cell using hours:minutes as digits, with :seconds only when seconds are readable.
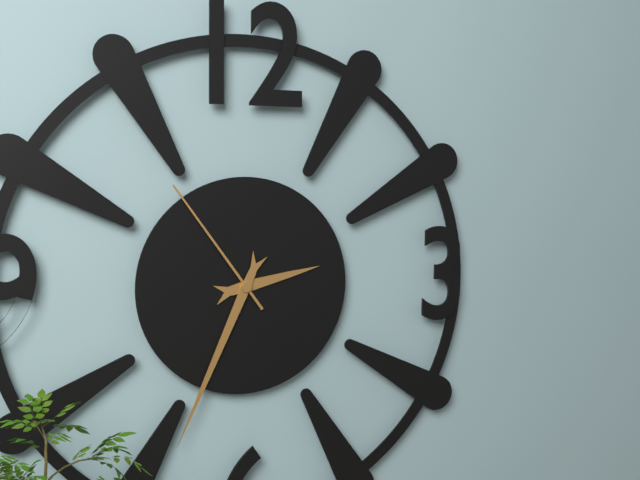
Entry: 2:34:54
